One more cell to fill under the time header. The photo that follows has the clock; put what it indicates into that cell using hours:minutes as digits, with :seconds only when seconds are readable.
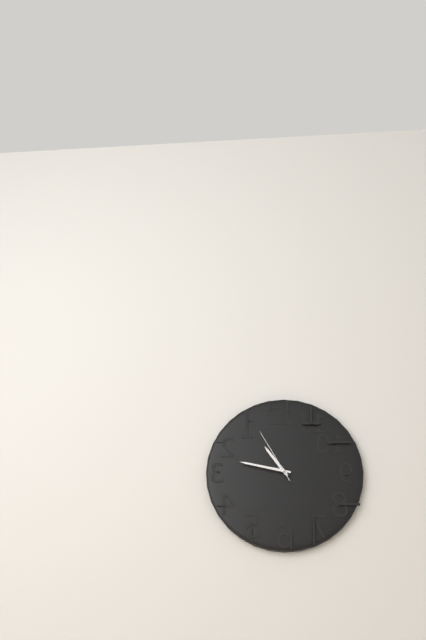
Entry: 10:47:55
